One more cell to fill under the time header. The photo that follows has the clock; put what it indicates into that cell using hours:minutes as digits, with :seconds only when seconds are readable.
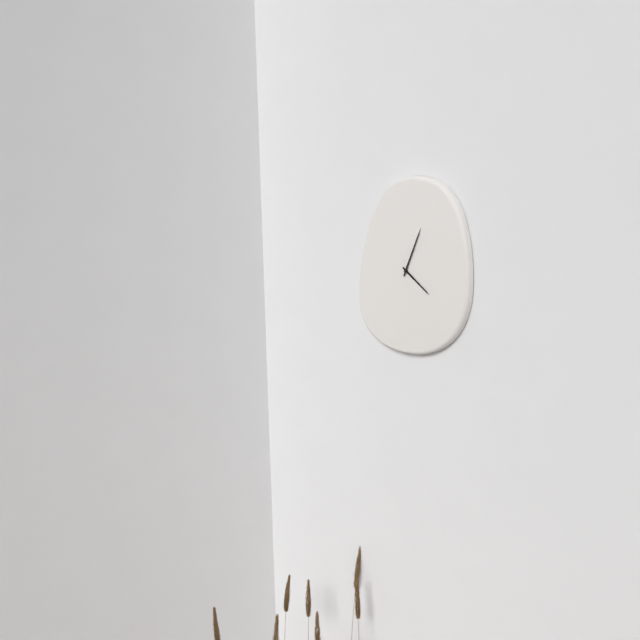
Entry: 4:04
